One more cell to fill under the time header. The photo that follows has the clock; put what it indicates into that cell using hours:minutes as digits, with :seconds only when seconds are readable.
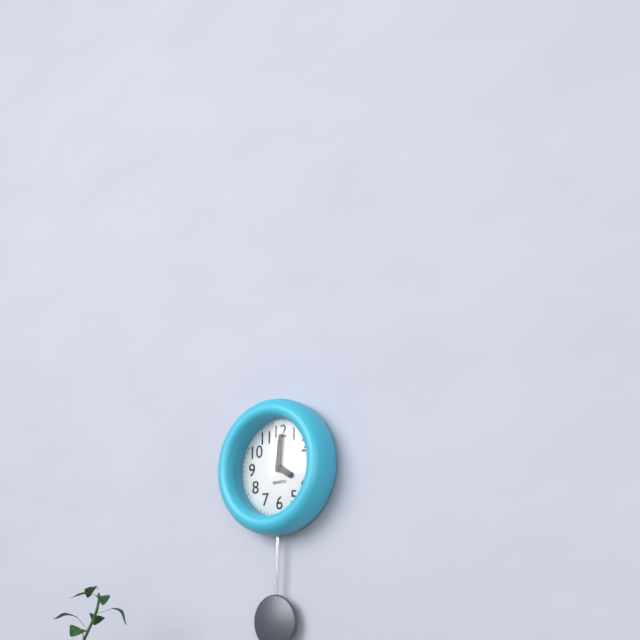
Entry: 4:01
